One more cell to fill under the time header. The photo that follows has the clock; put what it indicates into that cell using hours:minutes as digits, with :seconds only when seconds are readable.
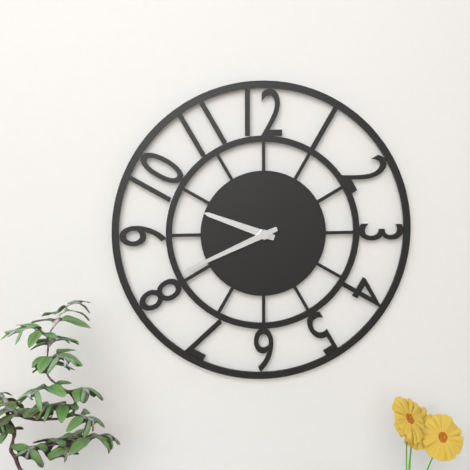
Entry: 9:41
